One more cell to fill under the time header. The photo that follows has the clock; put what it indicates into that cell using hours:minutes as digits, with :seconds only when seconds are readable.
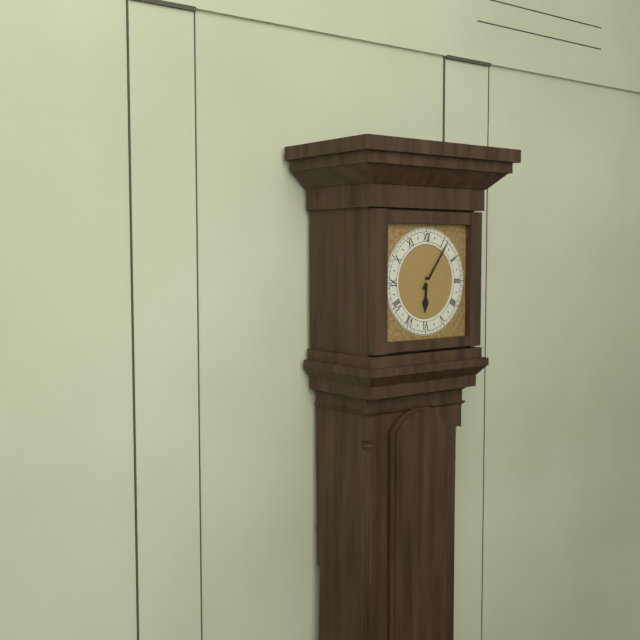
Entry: 6:06
